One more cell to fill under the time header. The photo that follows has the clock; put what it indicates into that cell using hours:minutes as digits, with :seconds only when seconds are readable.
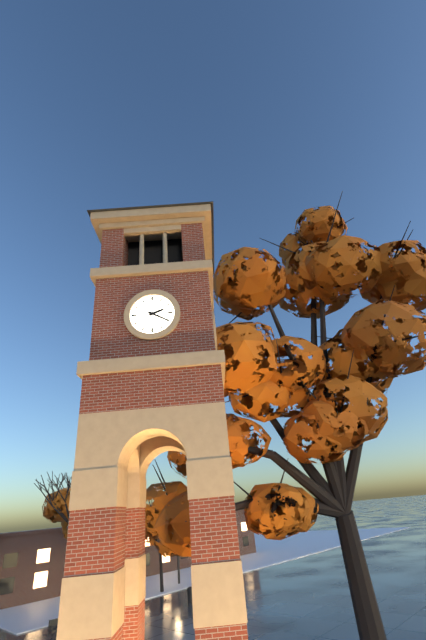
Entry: 2:20
